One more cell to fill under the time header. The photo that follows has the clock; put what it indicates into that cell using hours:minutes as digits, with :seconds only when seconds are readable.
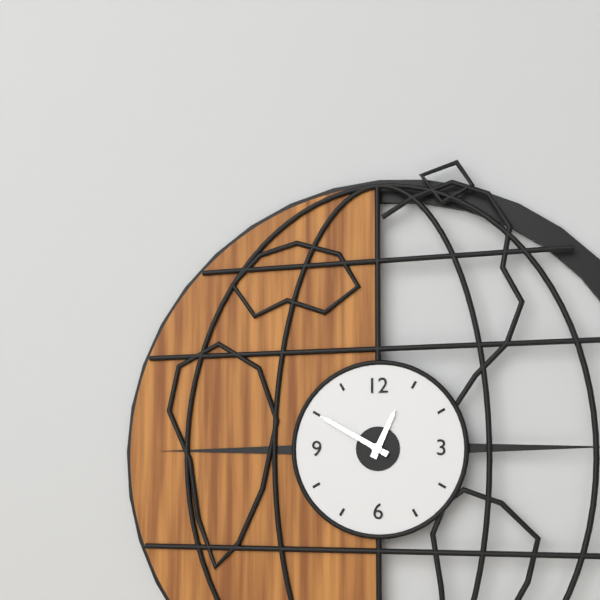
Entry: 12:50
